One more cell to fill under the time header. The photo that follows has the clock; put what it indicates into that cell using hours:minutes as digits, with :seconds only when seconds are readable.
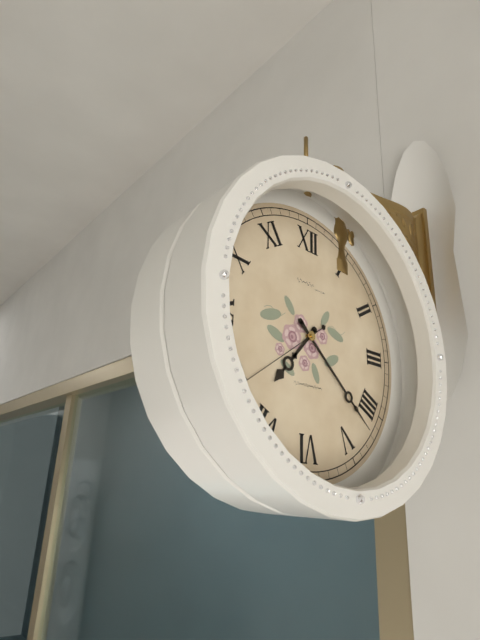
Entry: 7:22:39
